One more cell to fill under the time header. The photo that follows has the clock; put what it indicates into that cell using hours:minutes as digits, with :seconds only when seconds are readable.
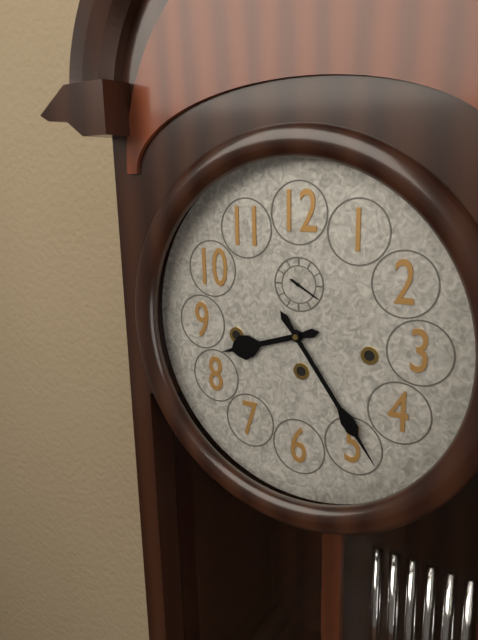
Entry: 8:24
